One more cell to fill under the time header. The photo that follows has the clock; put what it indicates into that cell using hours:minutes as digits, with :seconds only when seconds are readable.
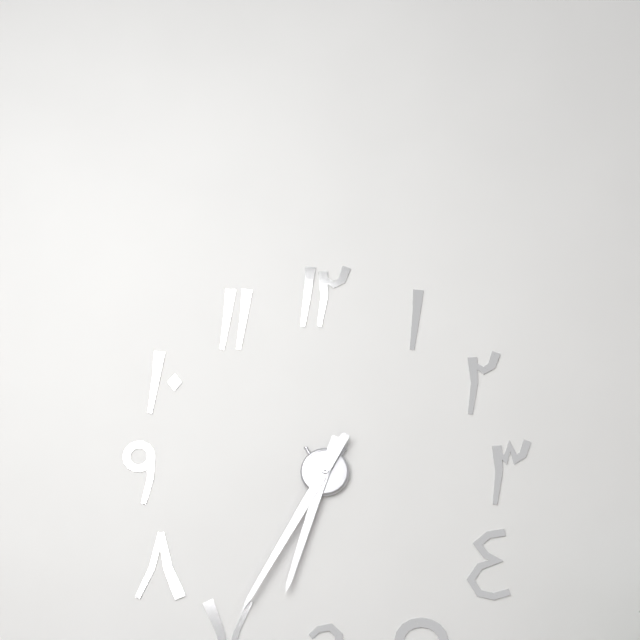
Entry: 6:35
